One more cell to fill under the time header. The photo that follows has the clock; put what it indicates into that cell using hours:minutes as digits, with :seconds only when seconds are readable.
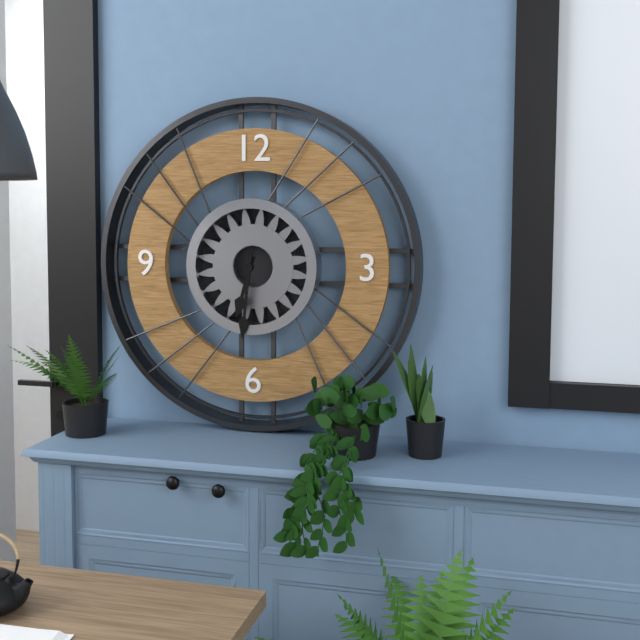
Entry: 6:31
